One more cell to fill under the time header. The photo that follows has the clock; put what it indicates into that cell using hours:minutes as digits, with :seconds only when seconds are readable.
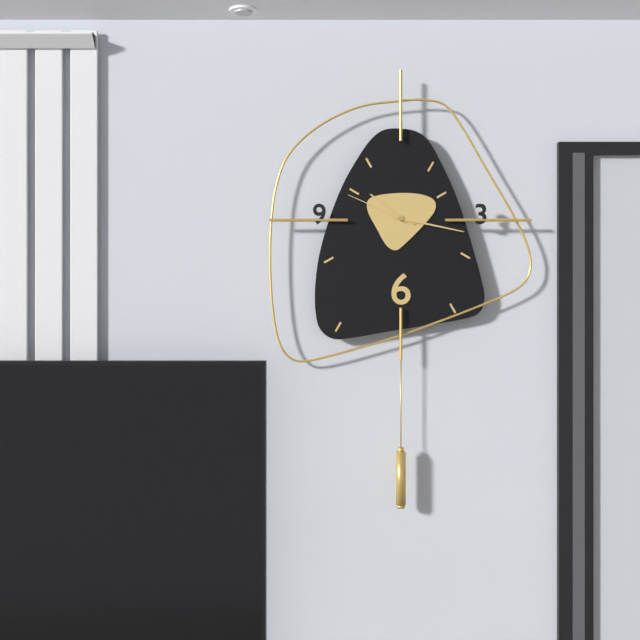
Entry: 10:17:49
